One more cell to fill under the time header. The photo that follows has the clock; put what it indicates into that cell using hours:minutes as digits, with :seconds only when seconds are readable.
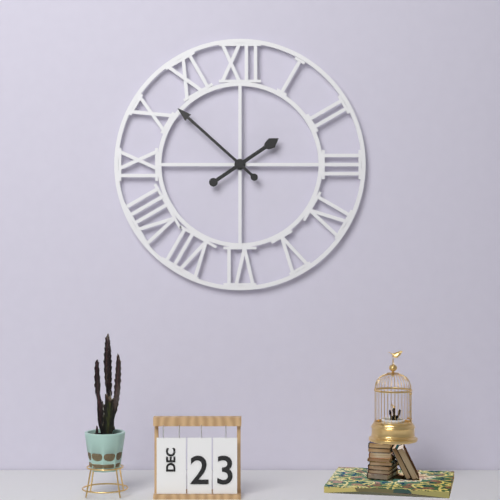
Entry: 1:52
